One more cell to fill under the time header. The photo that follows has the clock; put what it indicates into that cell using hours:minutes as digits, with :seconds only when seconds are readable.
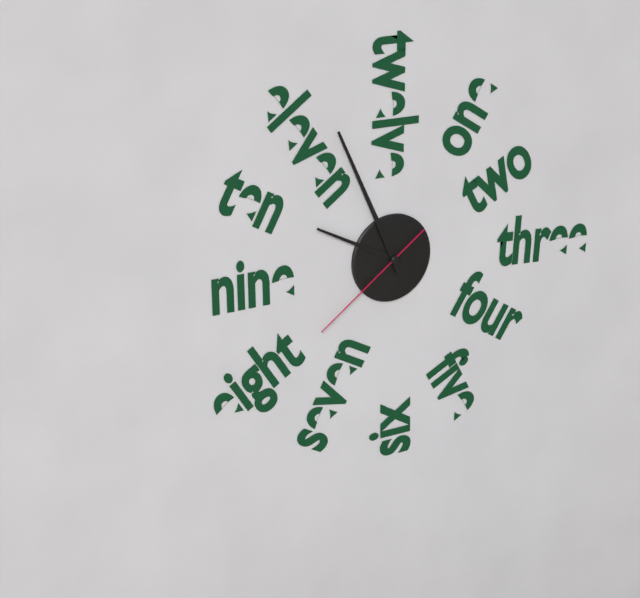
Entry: 9:56:39
